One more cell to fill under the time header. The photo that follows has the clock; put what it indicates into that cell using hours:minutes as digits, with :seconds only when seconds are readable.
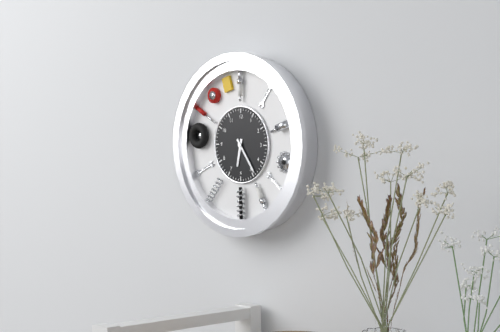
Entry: 6:24
